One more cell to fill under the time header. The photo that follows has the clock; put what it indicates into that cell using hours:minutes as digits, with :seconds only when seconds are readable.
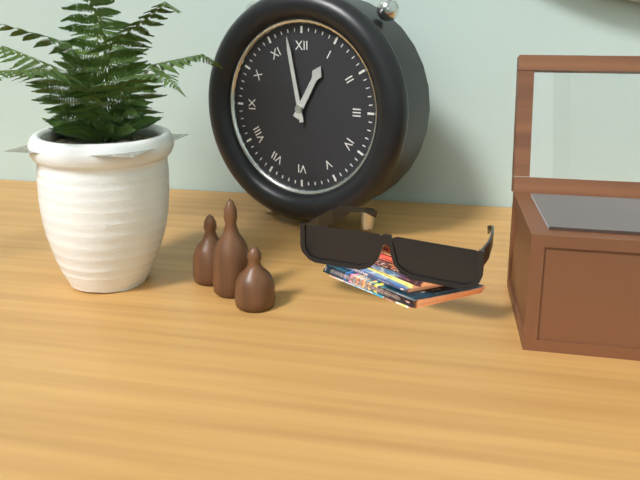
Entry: 12:58
